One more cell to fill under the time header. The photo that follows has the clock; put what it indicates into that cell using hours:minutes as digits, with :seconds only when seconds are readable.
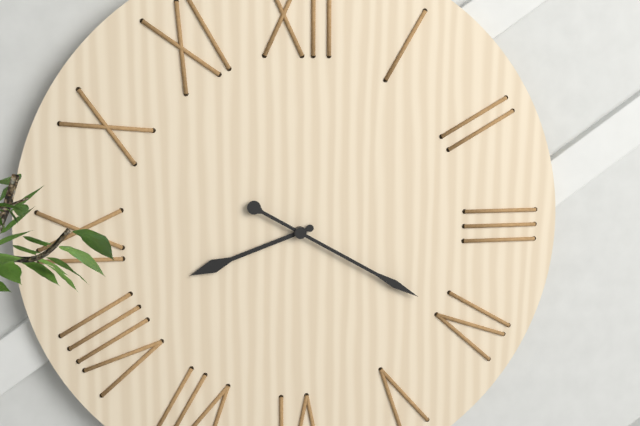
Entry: 8:20
